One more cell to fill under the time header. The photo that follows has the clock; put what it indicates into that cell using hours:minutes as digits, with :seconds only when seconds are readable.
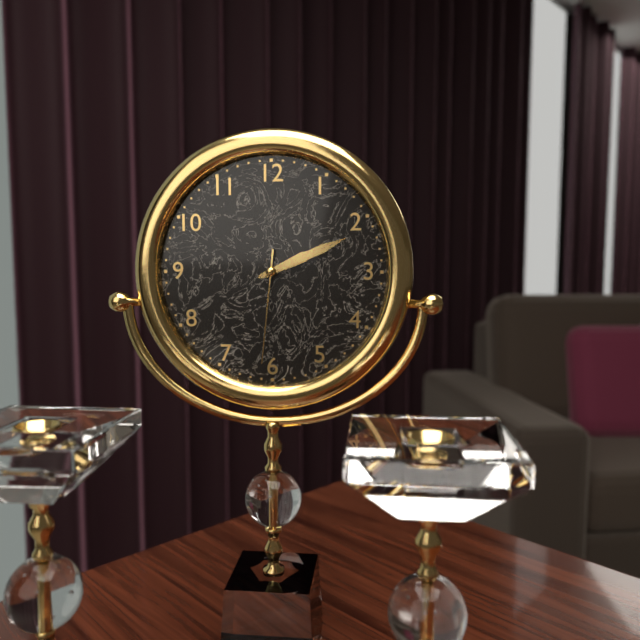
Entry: 2:11:31
